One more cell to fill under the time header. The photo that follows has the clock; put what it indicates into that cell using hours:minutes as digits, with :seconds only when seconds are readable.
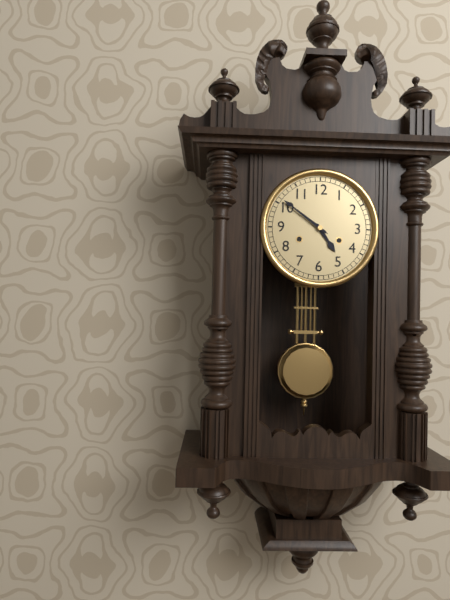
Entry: 4:51
